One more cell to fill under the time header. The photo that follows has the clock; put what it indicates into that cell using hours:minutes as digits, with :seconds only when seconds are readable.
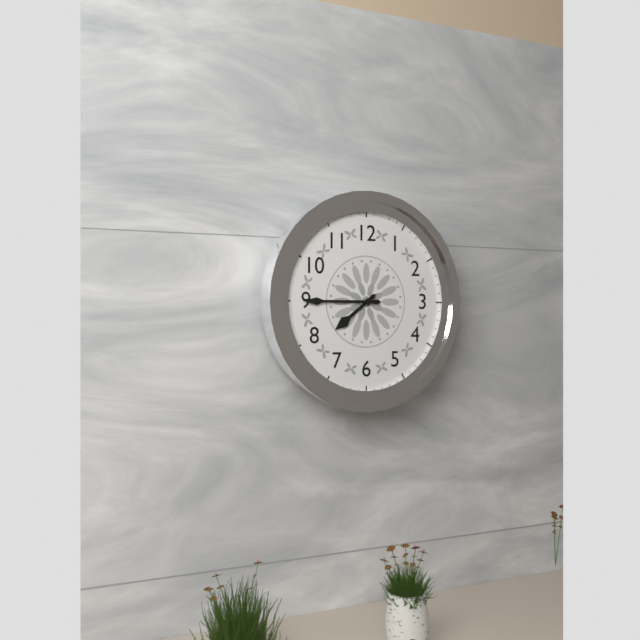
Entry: 7:45
